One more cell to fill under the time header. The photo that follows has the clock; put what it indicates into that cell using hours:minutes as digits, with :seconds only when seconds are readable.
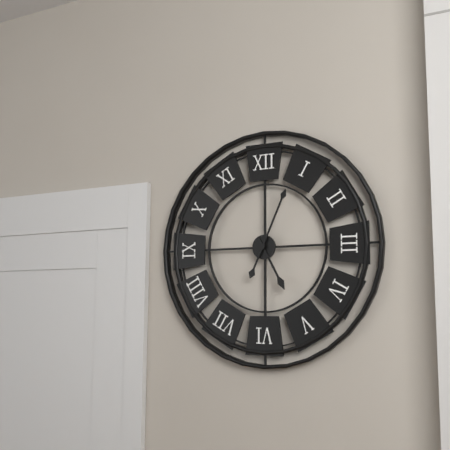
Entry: 5:04
